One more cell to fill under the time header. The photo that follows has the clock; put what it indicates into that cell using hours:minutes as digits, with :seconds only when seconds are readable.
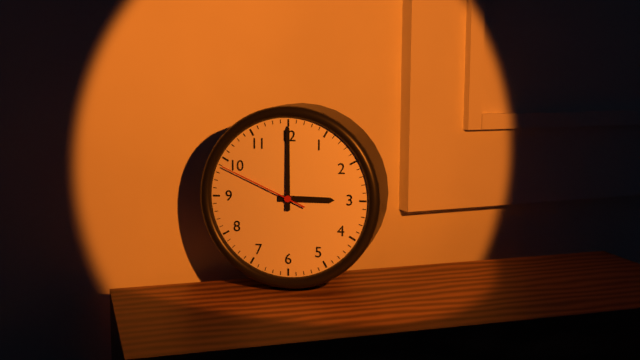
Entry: 3:00:49
